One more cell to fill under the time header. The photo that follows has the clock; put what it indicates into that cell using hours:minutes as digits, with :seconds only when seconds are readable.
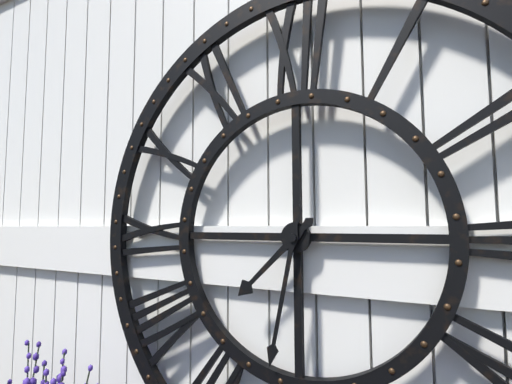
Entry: 7:32
